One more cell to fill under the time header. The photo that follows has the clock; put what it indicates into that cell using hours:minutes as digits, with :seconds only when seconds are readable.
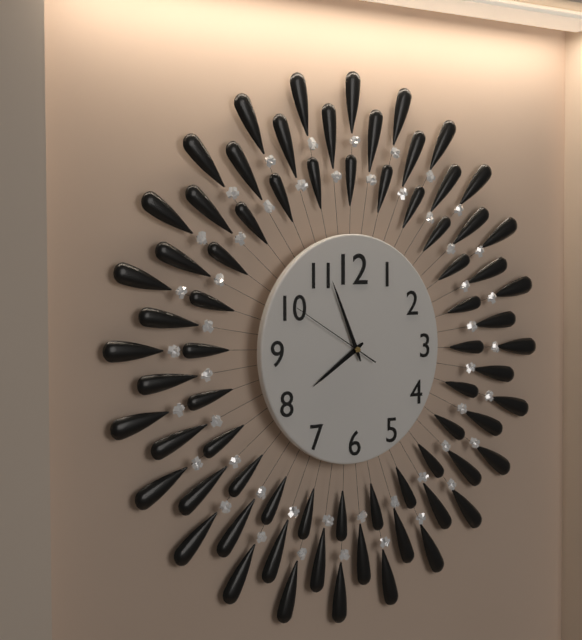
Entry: 7:56:50
